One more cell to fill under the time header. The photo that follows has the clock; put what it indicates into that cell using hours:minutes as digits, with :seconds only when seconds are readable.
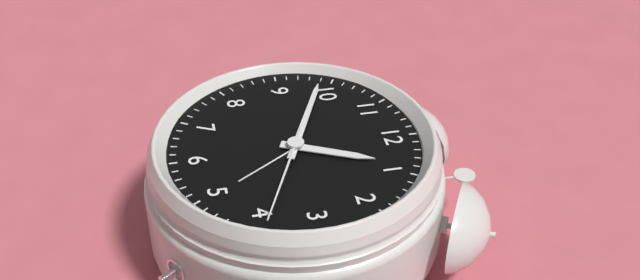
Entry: 12:49:19
